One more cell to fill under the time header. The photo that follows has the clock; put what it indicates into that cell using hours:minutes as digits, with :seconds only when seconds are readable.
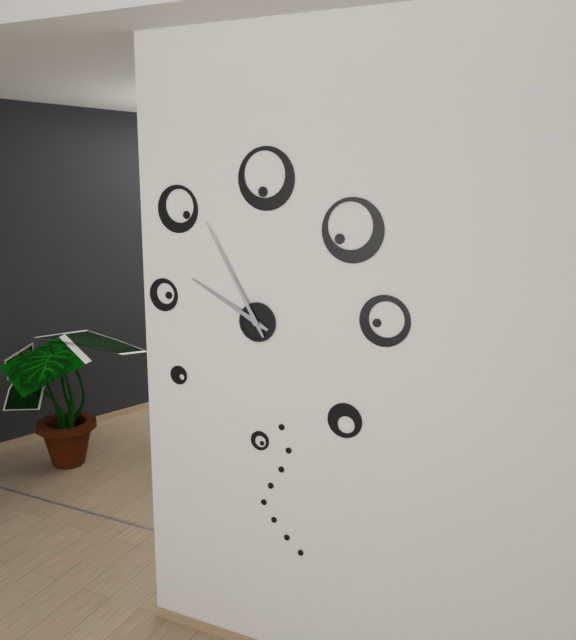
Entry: 9:55
